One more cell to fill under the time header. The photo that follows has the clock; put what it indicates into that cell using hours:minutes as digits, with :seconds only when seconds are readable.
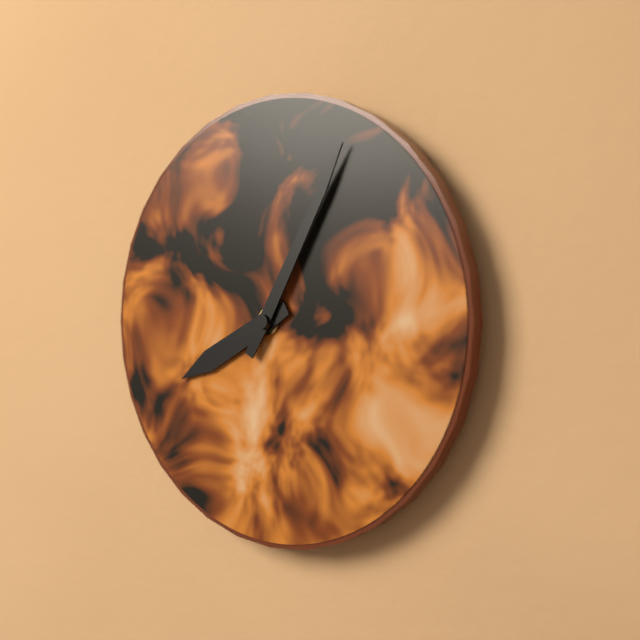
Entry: 8:05
